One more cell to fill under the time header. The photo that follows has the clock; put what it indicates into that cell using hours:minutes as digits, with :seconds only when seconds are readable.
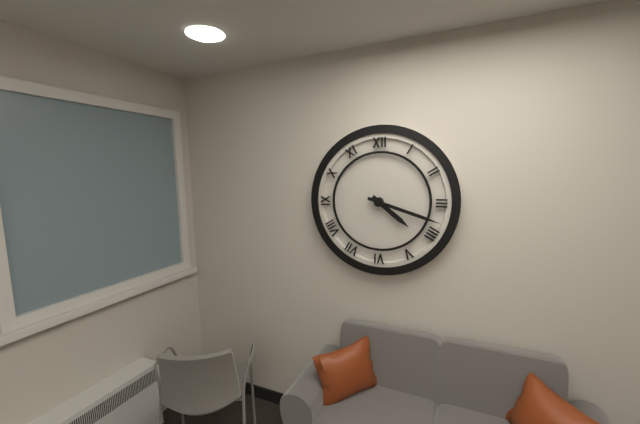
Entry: 4:18
